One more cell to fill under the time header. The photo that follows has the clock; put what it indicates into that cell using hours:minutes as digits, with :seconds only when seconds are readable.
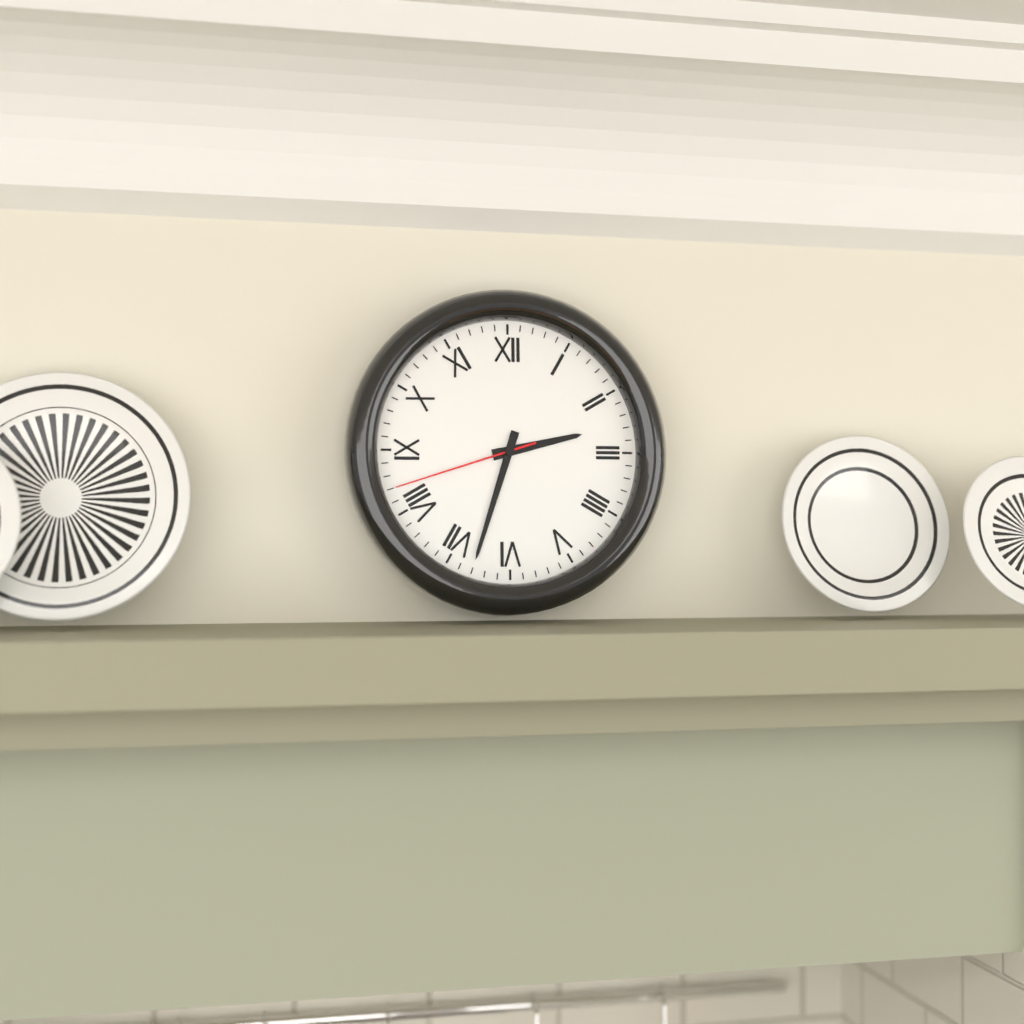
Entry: 2:33:42
